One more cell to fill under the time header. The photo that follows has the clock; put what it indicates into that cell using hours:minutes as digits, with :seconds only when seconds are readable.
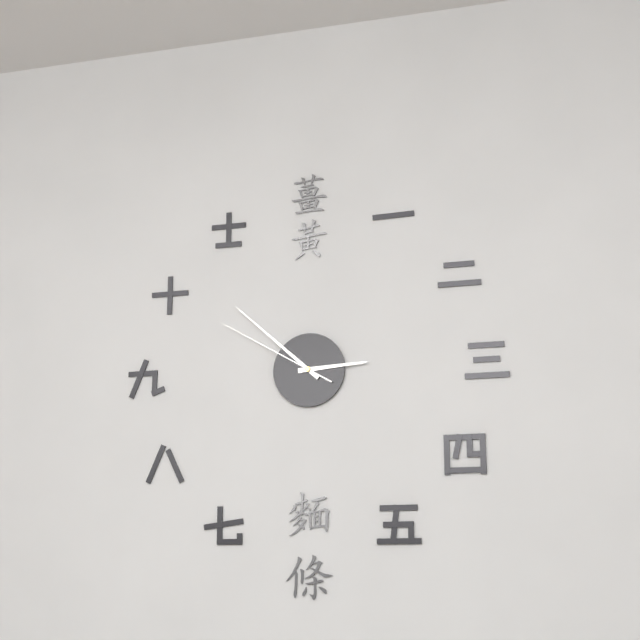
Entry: 2:52:50
